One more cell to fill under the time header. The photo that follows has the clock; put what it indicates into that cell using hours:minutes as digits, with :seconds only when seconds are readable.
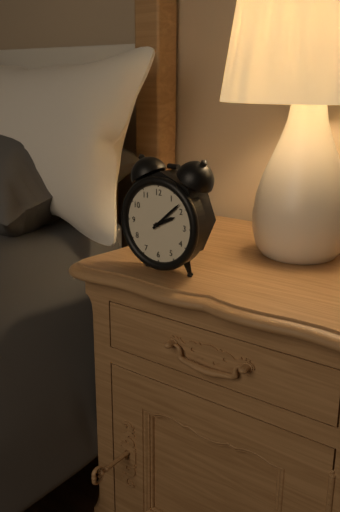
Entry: 2:08
